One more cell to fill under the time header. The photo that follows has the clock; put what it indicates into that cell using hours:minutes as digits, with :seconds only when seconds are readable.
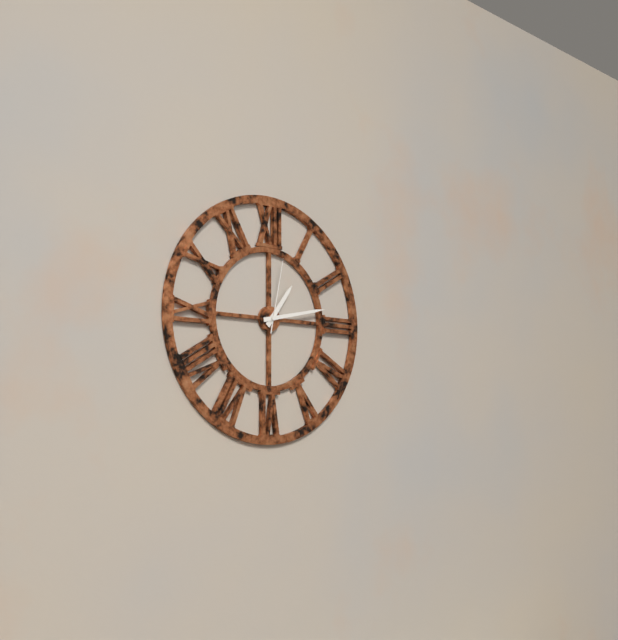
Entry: 1:13:02
